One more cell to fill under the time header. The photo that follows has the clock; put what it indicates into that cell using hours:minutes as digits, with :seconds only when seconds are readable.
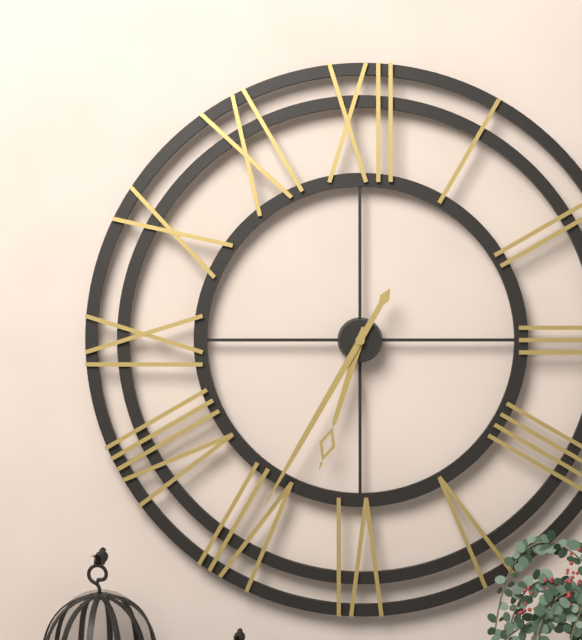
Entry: 6:35
